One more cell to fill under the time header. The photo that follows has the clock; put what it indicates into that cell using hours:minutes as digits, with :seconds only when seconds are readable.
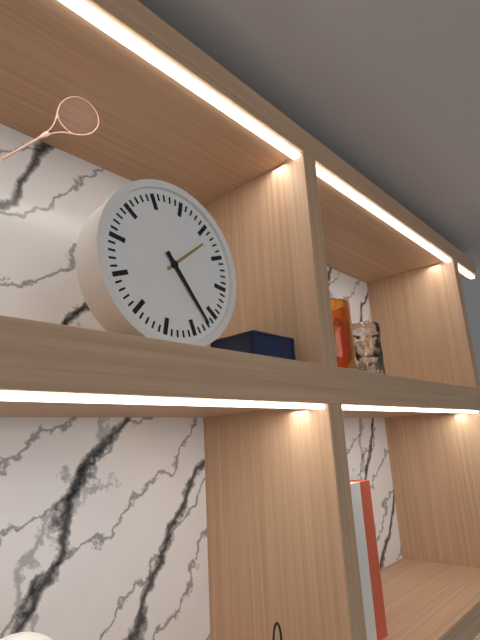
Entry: 1:22
